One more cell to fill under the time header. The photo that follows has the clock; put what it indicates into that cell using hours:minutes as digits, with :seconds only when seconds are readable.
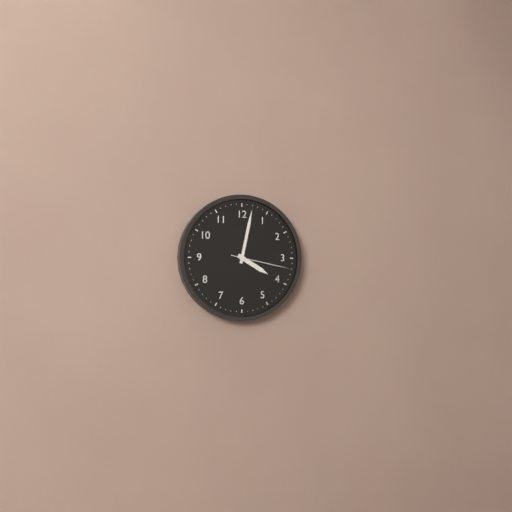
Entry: 4:02:17
